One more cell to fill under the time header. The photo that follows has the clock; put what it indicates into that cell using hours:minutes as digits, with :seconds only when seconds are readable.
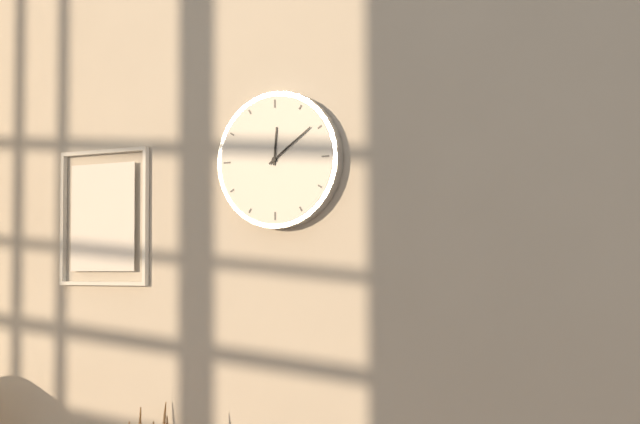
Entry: 12:09
